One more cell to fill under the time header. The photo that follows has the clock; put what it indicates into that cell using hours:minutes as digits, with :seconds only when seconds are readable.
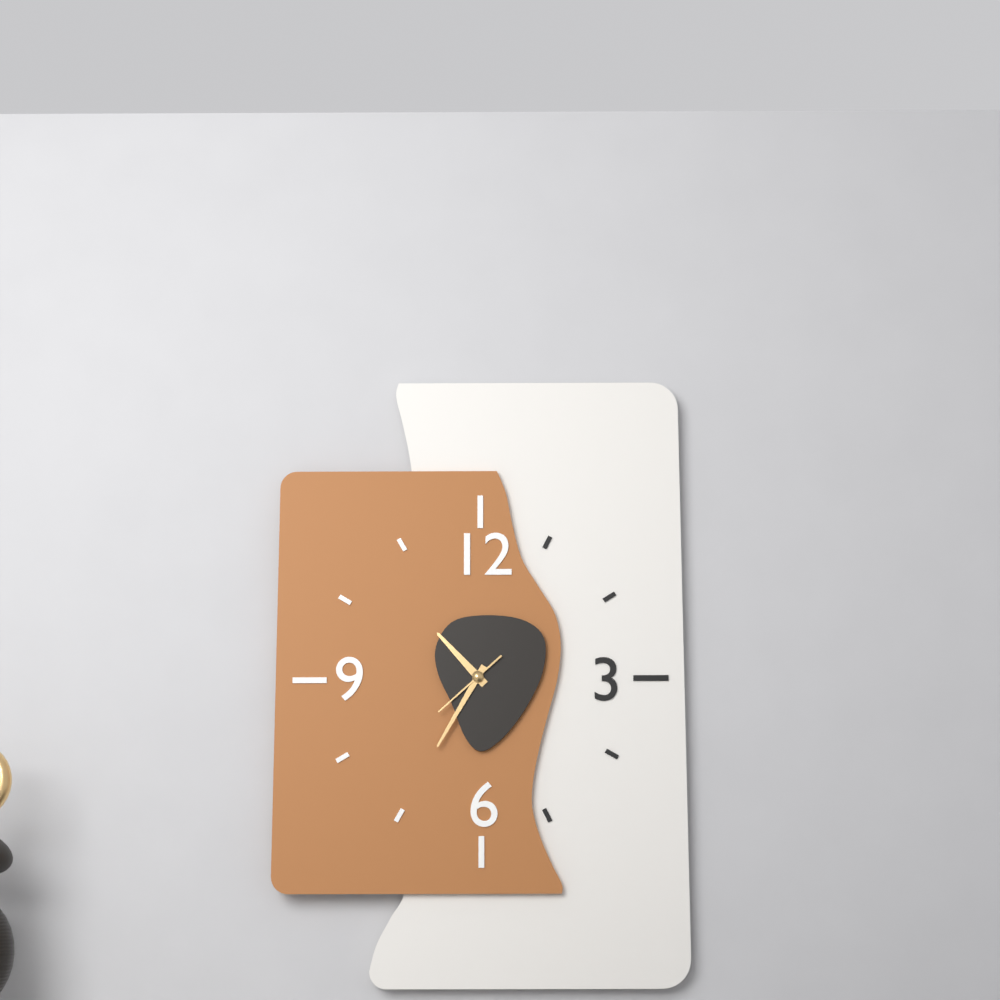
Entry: 10:35:38
